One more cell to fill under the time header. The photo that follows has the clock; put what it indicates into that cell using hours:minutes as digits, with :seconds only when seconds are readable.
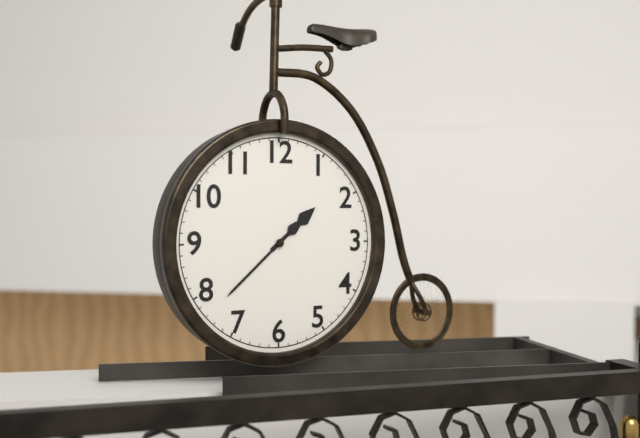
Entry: 1:38
